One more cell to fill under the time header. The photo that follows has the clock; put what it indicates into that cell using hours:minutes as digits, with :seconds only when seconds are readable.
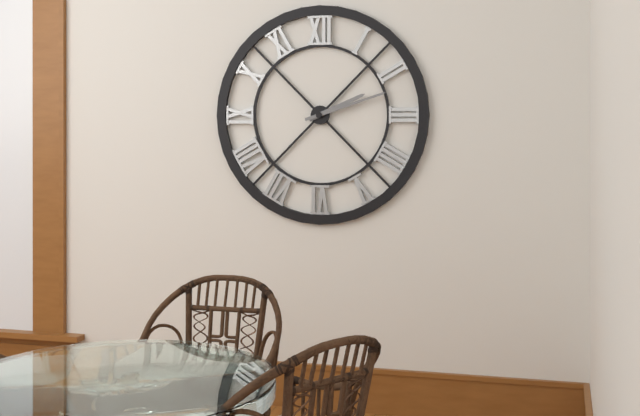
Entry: 2:12
